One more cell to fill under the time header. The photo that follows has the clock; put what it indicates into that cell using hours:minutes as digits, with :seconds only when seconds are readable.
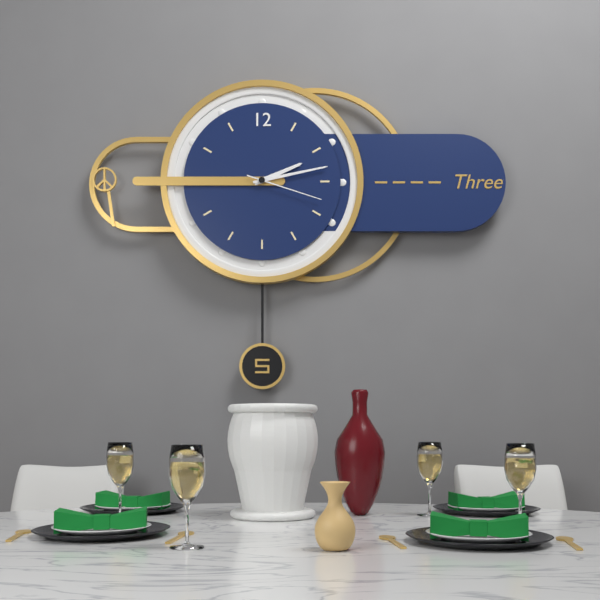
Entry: 2:13:18
